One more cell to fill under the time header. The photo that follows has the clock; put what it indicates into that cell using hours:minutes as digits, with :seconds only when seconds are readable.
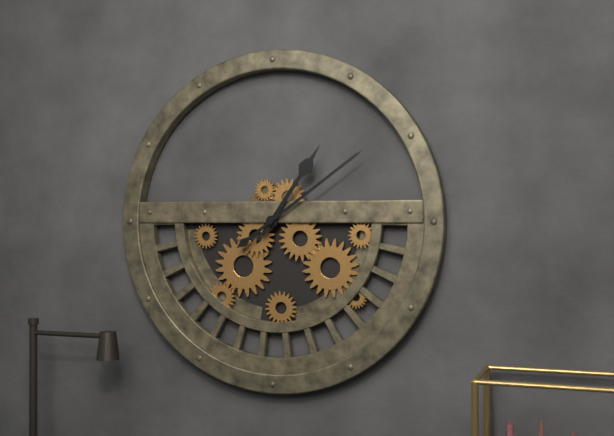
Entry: 1:09
